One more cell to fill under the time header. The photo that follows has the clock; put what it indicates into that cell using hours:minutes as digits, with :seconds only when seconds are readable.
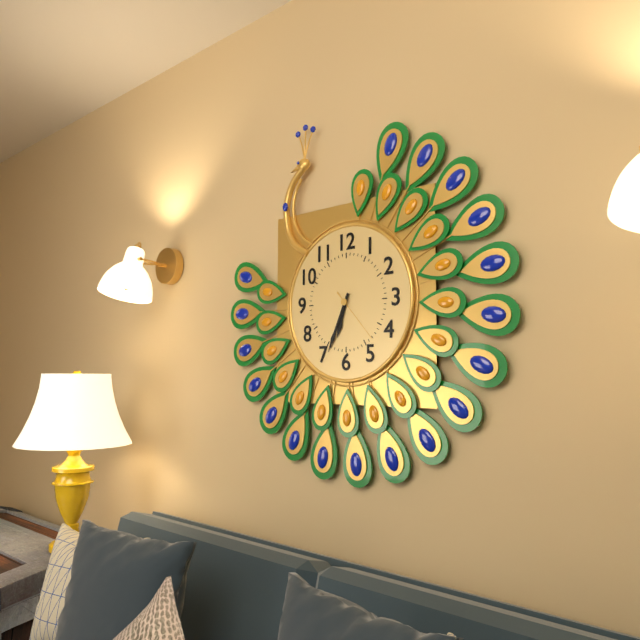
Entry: 6:34:23
